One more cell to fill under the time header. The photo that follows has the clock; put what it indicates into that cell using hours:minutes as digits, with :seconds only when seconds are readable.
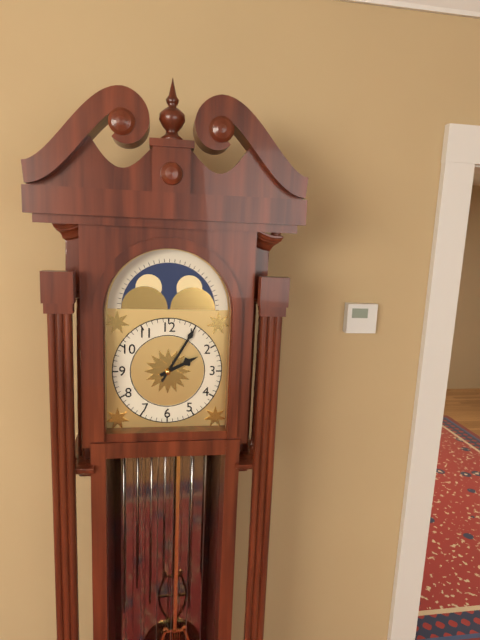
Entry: 2:05
